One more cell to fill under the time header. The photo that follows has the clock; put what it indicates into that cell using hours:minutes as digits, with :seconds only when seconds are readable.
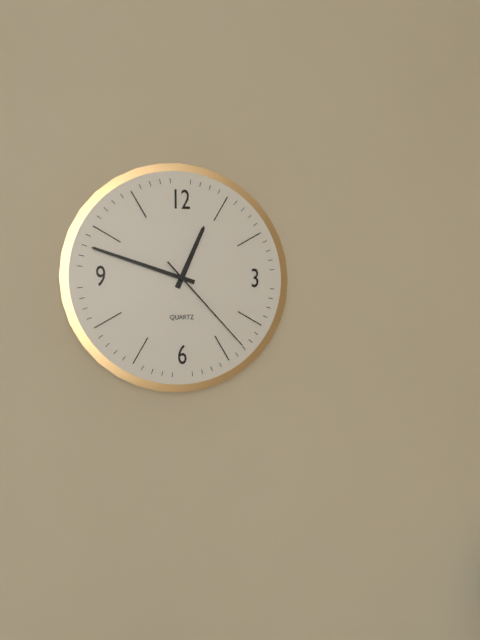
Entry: 12:48:23
